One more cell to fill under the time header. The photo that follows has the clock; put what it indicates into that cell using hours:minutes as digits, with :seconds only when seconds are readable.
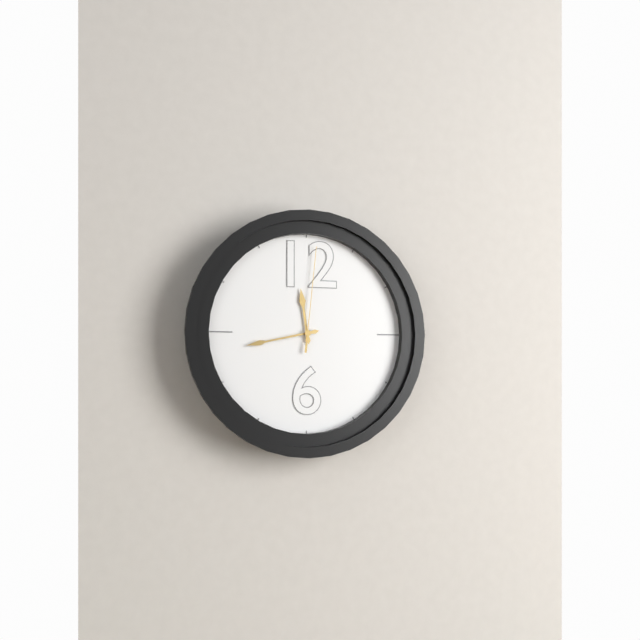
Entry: 11:43:01
